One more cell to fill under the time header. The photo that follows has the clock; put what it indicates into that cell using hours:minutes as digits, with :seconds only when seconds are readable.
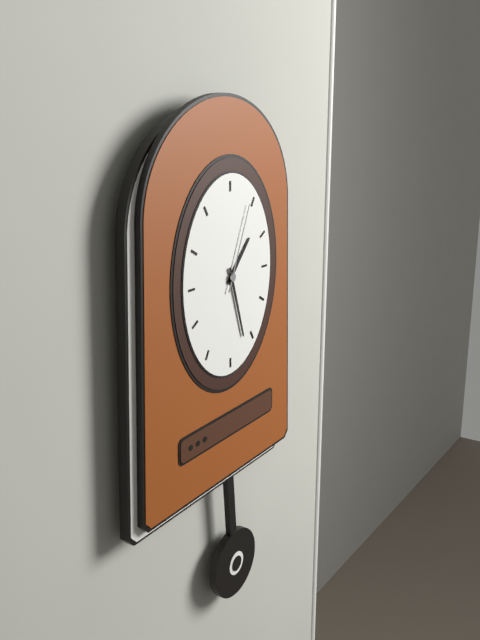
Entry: 1:27:04
